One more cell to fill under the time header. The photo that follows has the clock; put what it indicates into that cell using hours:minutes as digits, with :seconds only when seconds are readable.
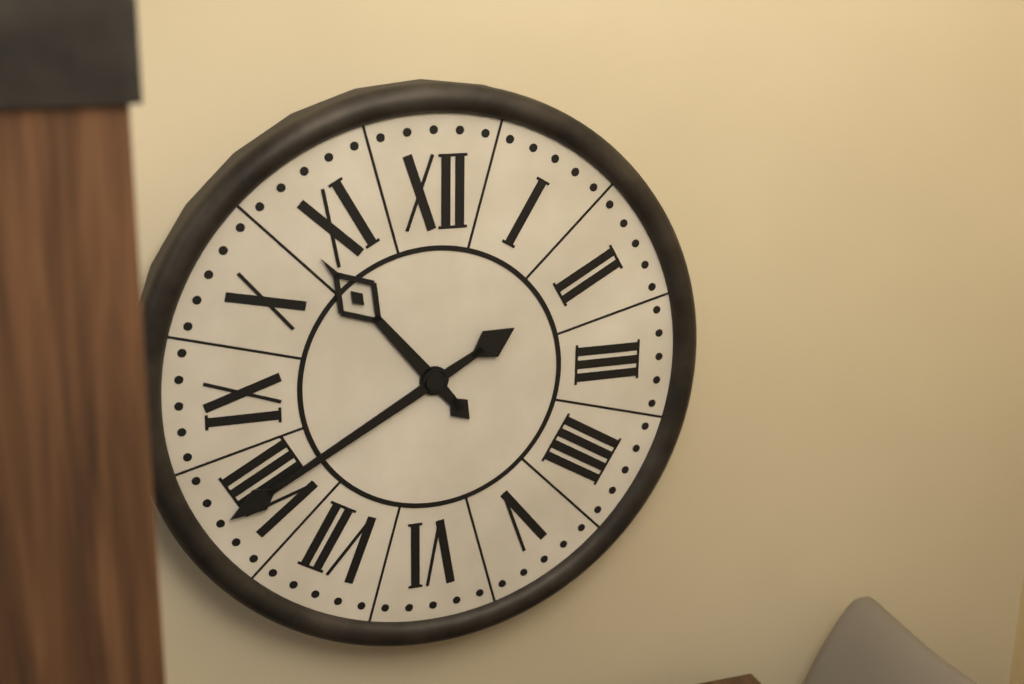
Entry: 10:40
